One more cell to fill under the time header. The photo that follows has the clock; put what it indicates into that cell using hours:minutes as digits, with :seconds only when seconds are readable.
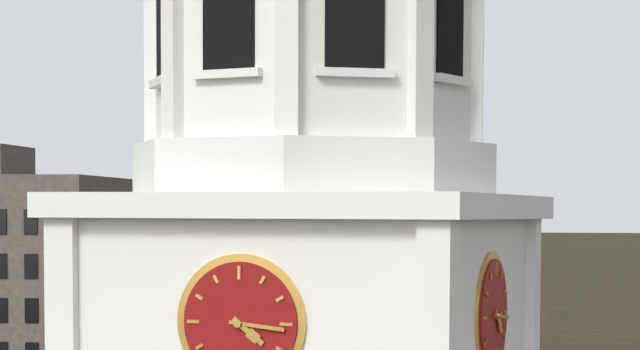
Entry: 4:16
